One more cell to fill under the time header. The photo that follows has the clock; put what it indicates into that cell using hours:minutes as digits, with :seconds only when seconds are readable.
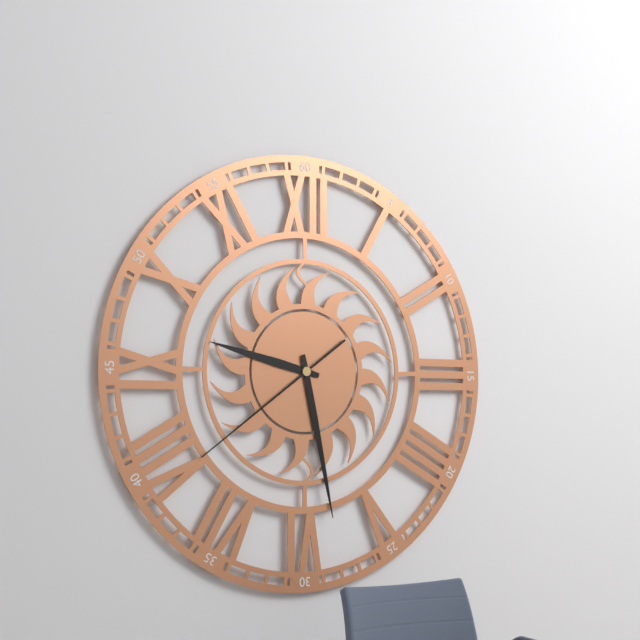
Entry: 9:28:39
